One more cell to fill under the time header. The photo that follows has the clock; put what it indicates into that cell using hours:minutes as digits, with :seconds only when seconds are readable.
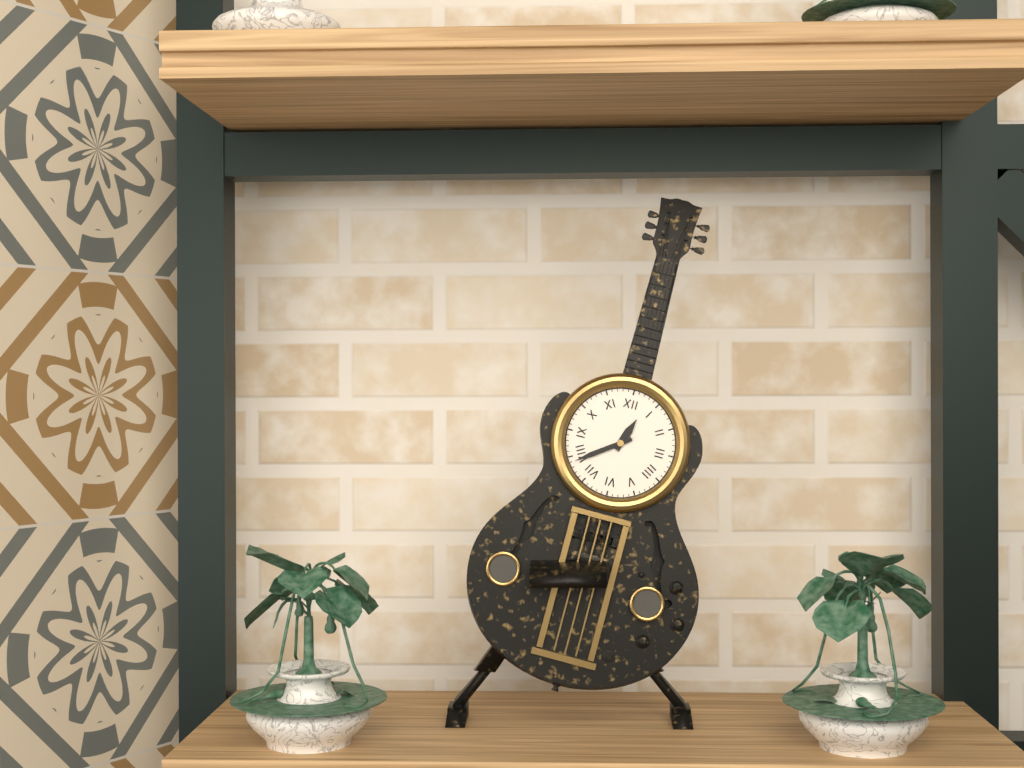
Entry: 12:39
